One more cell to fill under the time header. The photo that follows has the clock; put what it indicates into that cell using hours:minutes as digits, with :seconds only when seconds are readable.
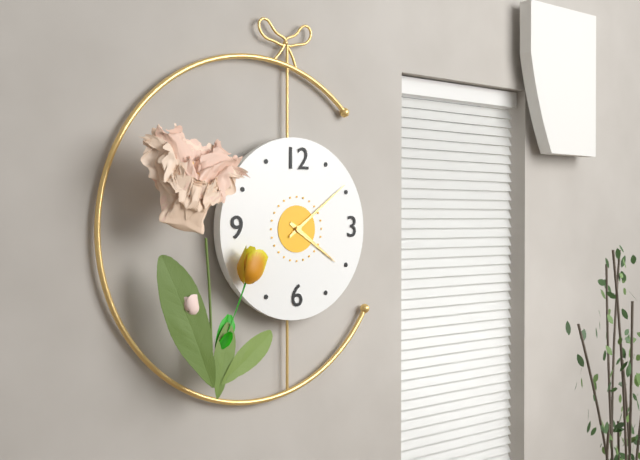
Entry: 4:09
